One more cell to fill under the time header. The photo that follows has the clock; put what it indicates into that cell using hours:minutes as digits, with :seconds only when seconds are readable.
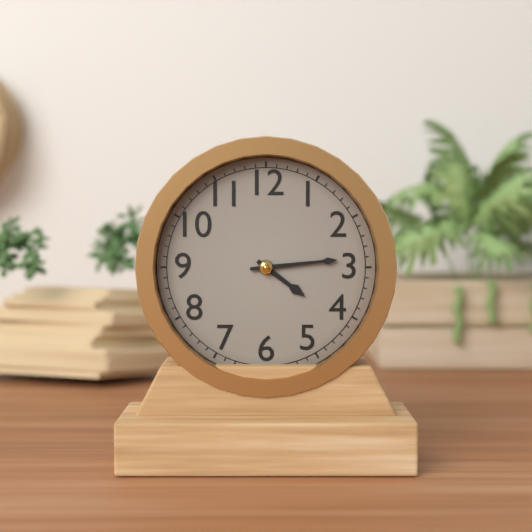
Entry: 4:14
